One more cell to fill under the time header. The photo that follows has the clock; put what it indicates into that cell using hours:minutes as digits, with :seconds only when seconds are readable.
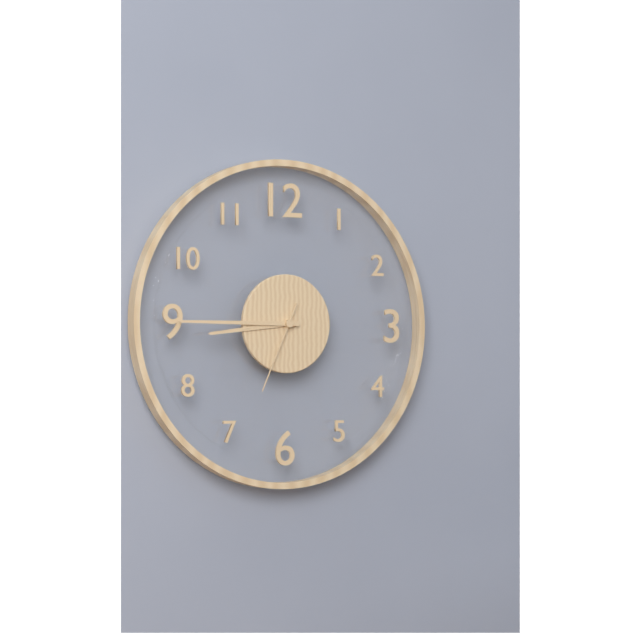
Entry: 8:45:34
